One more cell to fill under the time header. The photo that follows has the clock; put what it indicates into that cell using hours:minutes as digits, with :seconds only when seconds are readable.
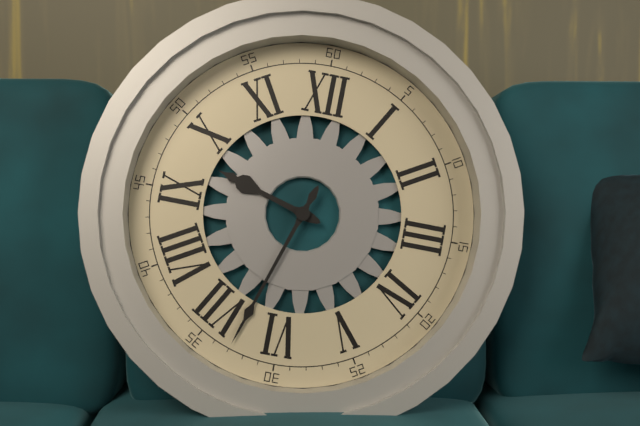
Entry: 9:33
